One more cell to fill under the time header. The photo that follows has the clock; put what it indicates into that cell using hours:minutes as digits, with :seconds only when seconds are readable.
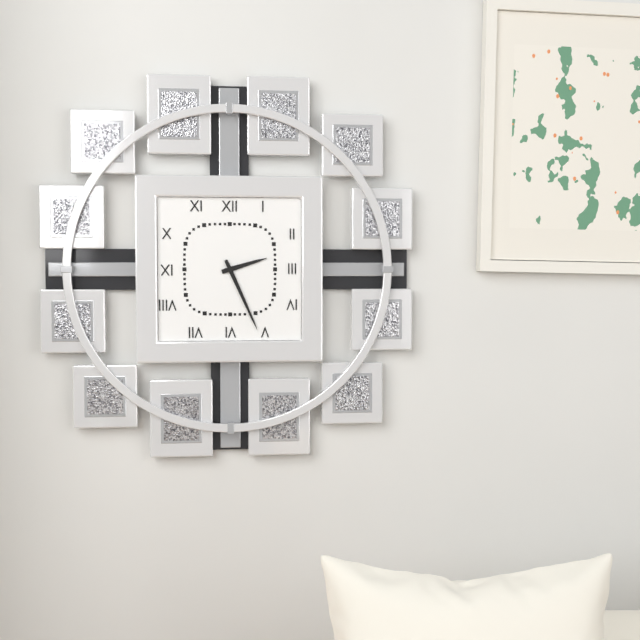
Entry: 2:26
